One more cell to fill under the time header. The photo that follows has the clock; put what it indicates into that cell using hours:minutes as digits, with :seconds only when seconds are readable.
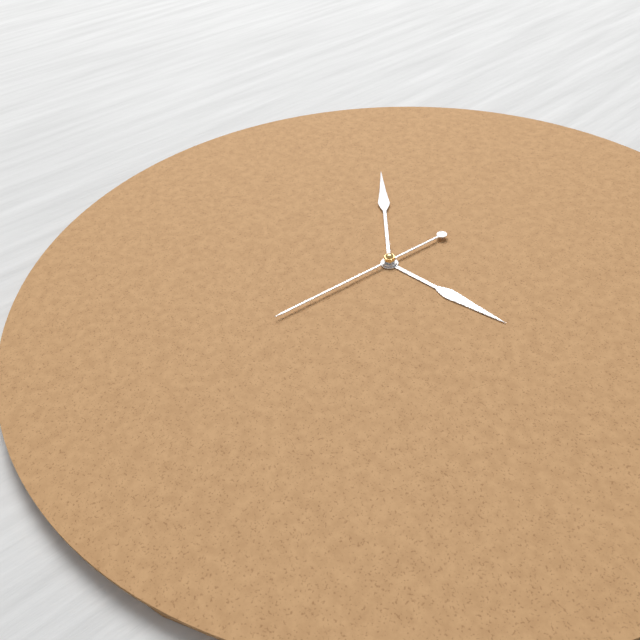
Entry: 2:52:31
